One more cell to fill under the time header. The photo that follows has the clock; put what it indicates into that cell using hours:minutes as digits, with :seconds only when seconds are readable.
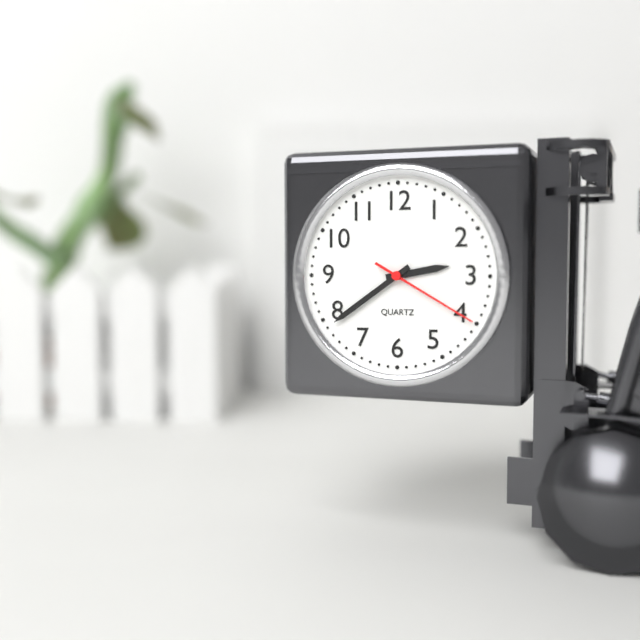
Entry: 2:39:20
